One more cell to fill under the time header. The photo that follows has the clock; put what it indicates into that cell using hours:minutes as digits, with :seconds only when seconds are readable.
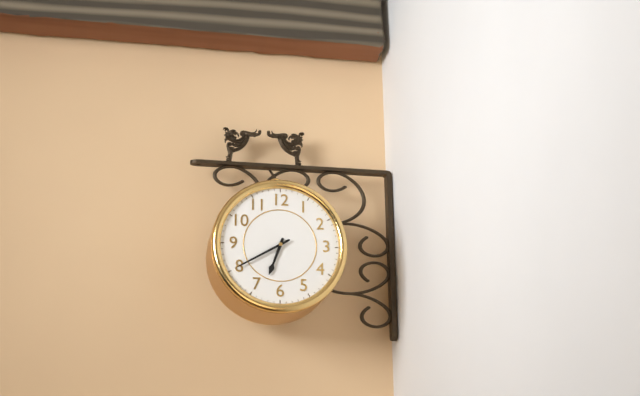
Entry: 6:40
